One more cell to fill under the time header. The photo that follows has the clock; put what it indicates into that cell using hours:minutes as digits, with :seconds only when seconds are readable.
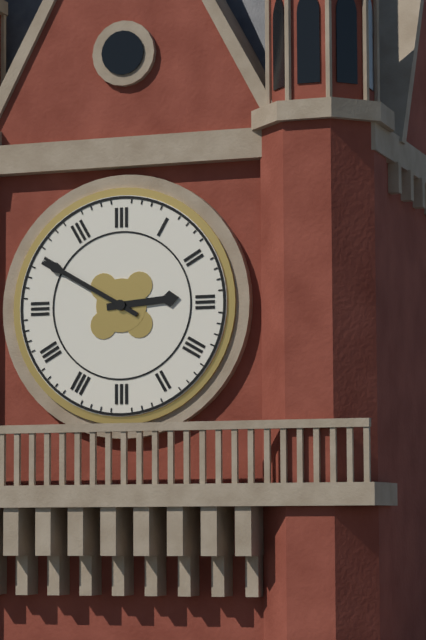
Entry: 2:50
